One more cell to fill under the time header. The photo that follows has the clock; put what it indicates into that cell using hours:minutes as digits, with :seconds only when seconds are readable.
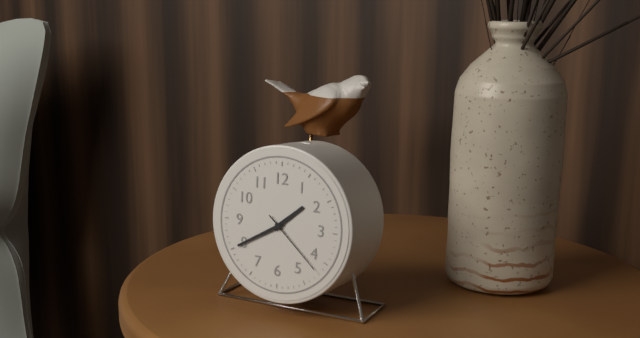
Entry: 1:40:22
